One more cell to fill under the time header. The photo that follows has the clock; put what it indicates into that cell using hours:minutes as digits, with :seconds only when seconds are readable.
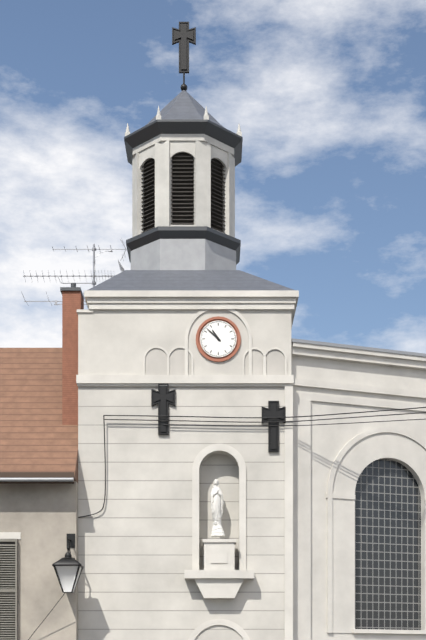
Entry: 10:52
